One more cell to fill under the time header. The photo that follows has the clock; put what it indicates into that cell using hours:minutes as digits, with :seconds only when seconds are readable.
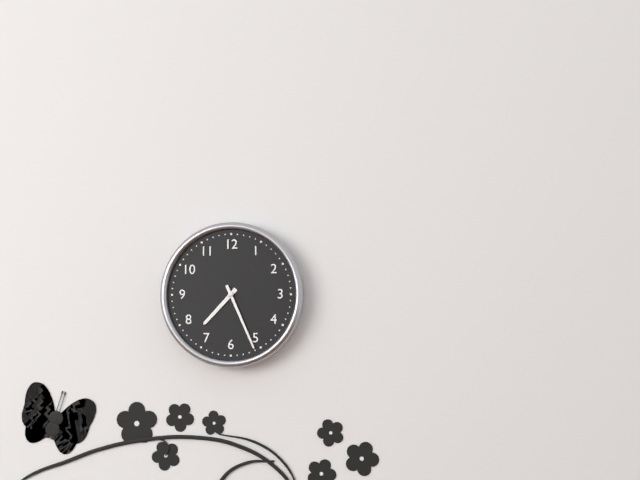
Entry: 7:26
